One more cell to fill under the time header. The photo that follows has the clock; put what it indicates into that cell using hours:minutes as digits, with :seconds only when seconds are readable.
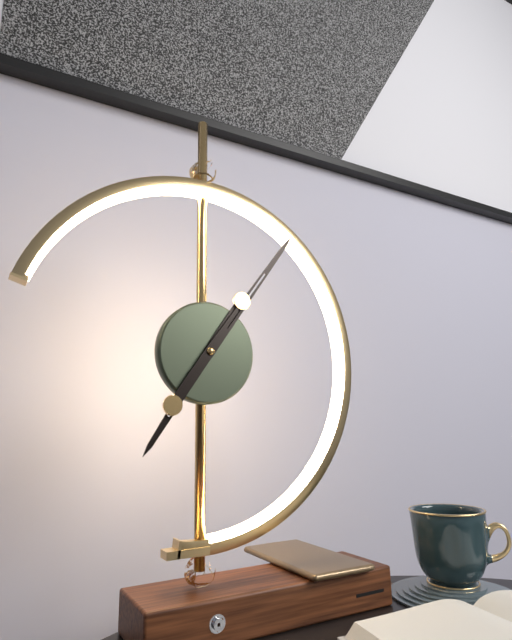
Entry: 7:06
